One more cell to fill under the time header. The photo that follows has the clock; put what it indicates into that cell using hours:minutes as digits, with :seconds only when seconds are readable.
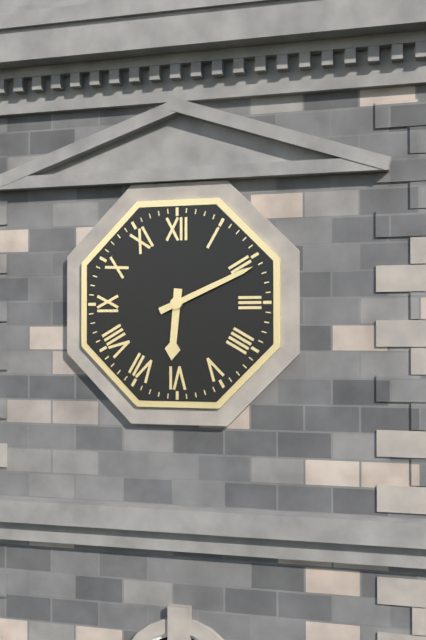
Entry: 6:11
